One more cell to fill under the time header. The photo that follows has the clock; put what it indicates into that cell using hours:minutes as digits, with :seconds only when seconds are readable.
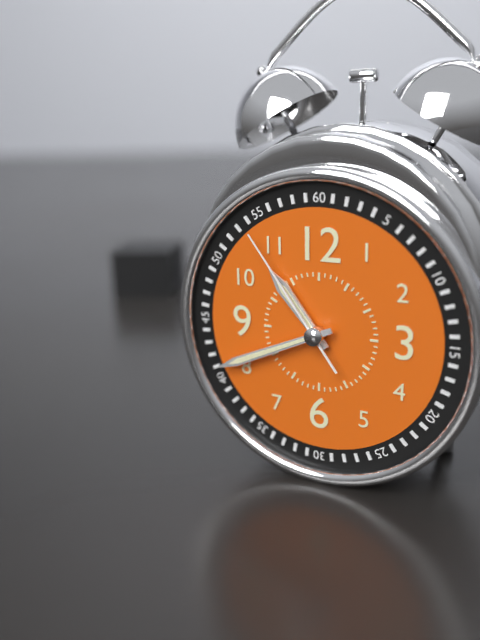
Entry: 10:41:54
